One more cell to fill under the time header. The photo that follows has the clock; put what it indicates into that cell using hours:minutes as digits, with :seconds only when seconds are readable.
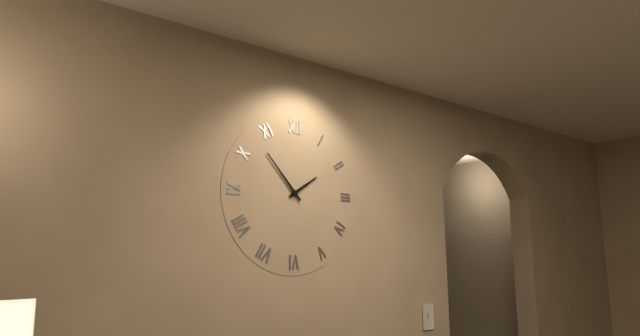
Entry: 1:53
